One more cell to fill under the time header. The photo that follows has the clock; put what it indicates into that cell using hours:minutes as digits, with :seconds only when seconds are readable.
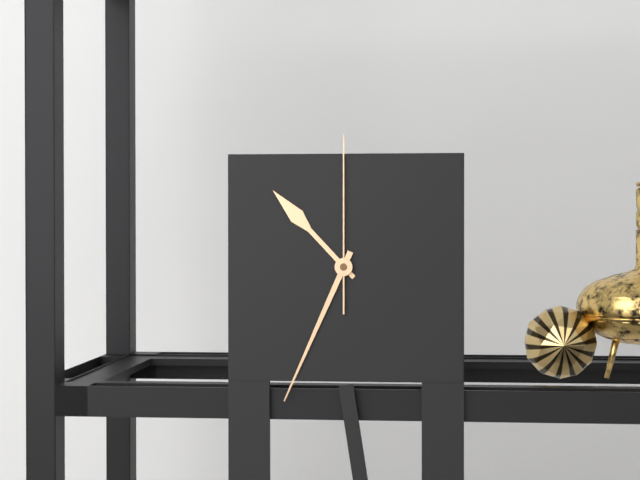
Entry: 10:34:00
